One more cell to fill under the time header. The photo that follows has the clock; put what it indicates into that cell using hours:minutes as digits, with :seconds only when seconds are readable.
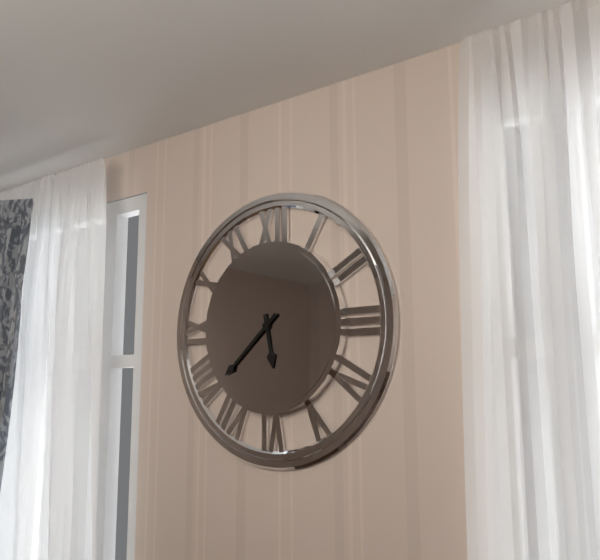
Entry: 5:38
